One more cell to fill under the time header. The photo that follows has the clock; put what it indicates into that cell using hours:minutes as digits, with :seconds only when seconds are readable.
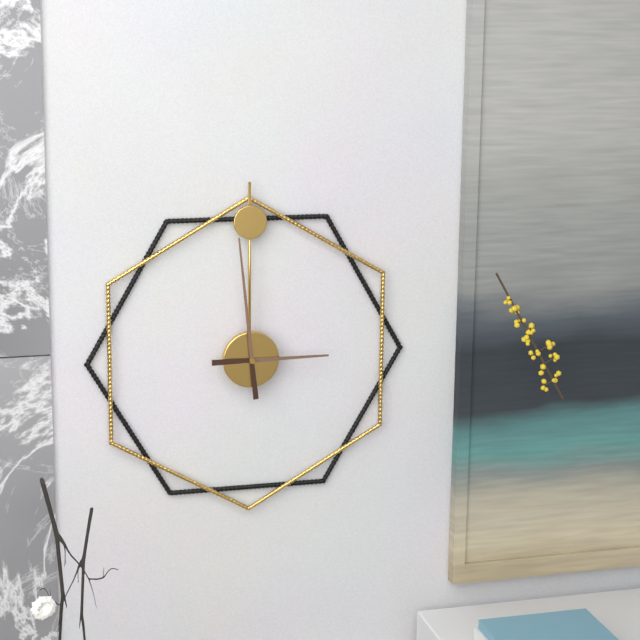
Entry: 2:59
